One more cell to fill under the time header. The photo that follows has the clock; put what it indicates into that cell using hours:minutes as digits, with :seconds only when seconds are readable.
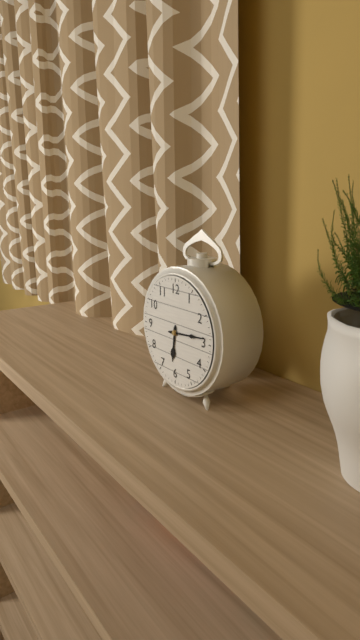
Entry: 6:14
